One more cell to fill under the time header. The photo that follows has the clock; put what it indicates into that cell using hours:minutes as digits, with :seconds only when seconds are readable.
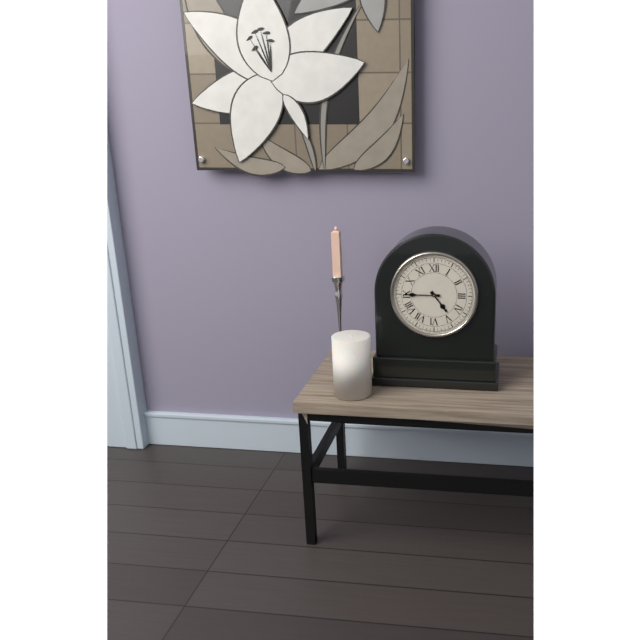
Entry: 4:45
